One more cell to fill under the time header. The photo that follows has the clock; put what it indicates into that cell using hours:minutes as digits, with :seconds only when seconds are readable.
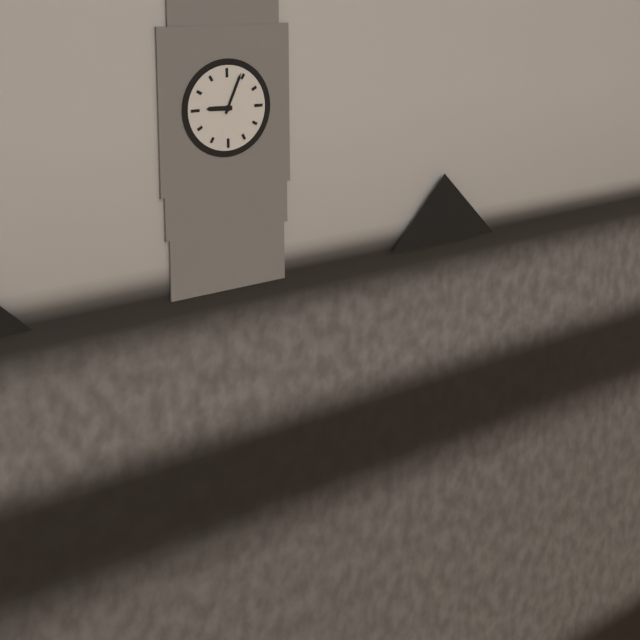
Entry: 9:04
